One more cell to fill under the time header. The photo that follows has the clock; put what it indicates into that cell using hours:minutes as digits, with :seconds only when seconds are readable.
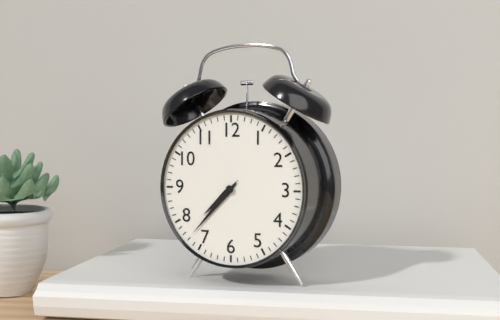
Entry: 7:37
